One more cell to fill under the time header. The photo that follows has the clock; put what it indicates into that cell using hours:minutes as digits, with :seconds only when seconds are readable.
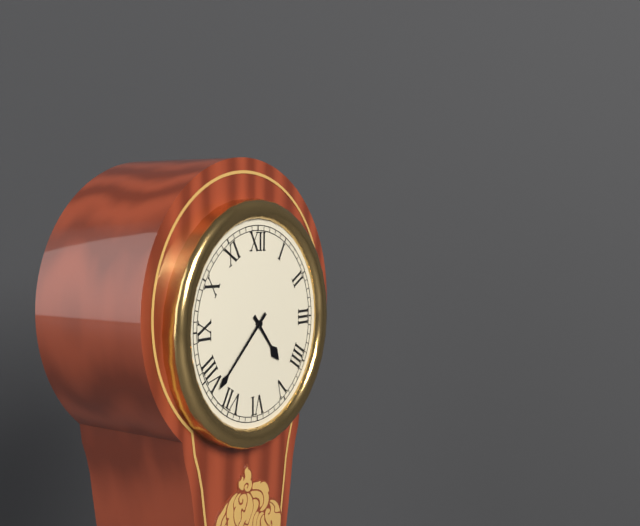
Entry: 4:38
